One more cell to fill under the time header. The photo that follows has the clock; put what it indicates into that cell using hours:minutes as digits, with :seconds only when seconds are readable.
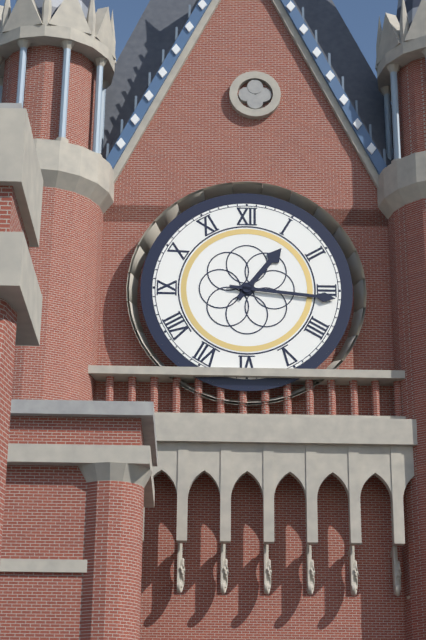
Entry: 1:16
